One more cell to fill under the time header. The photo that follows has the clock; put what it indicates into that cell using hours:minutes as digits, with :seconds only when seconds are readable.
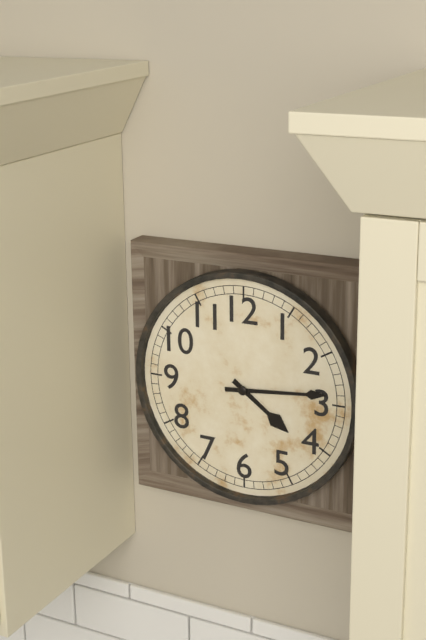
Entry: 4:14
